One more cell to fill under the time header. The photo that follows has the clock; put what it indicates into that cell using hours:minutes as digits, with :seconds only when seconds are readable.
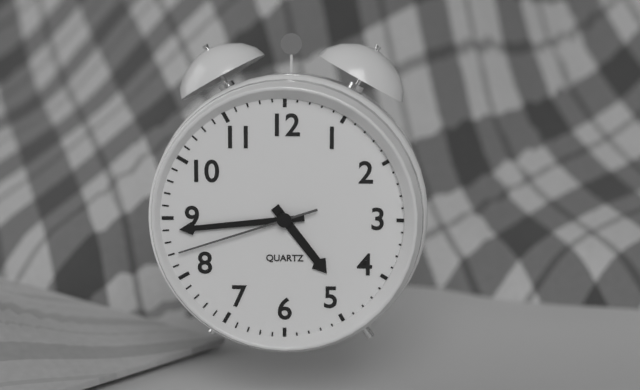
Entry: 4:44:42
